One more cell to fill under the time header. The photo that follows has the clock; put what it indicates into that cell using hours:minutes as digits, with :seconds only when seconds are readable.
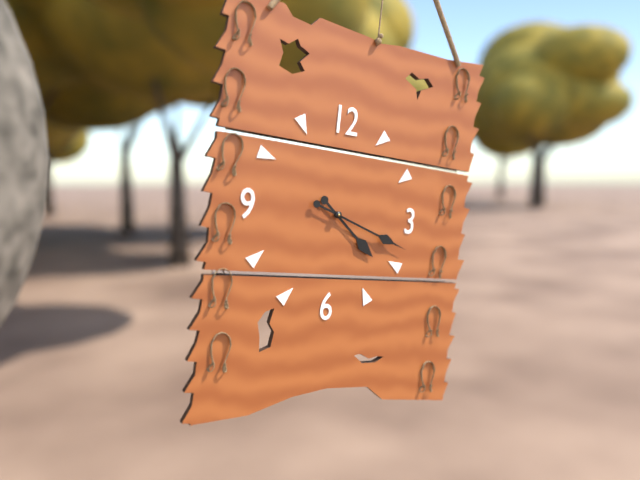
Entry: 4:18
